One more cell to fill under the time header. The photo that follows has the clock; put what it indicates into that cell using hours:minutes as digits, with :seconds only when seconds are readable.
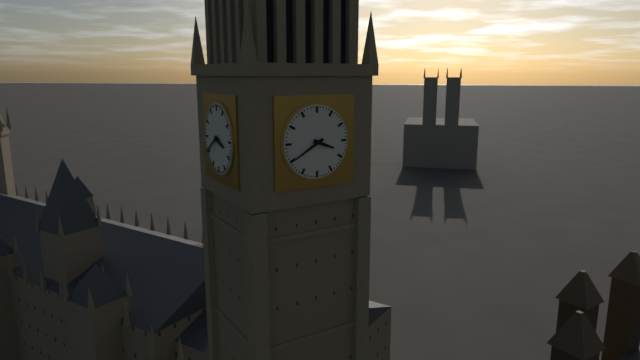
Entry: 3:40
